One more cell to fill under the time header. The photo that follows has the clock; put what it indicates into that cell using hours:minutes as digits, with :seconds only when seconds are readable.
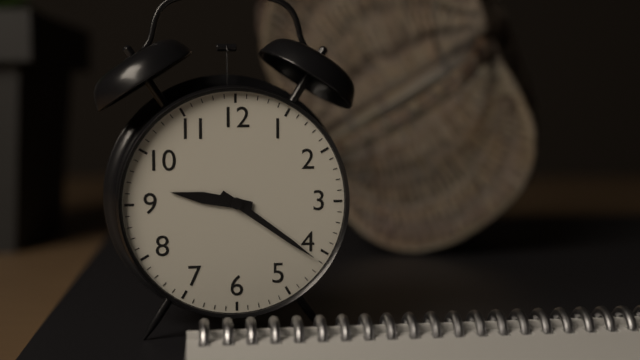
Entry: 9:21
